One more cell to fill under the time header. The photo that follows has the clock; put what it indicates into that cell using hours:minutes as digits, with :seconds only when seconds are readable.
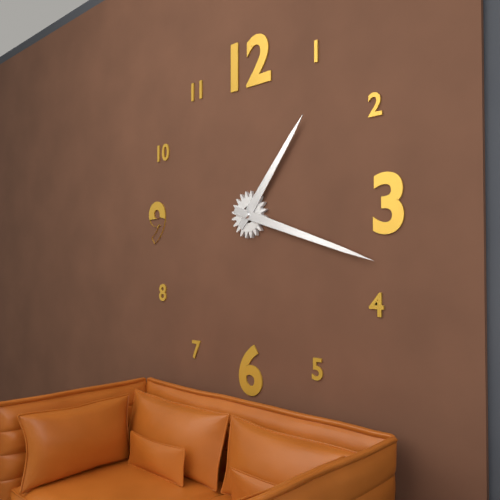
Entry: 1:18
